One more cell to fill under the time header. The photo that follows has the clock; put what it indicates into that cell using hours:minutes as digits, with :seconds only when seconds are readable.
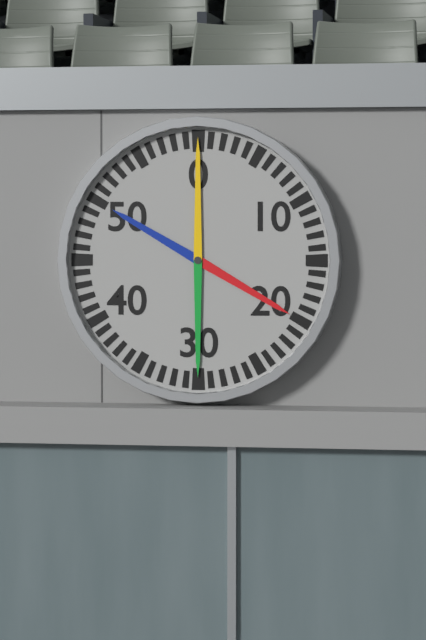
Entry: 4:00
